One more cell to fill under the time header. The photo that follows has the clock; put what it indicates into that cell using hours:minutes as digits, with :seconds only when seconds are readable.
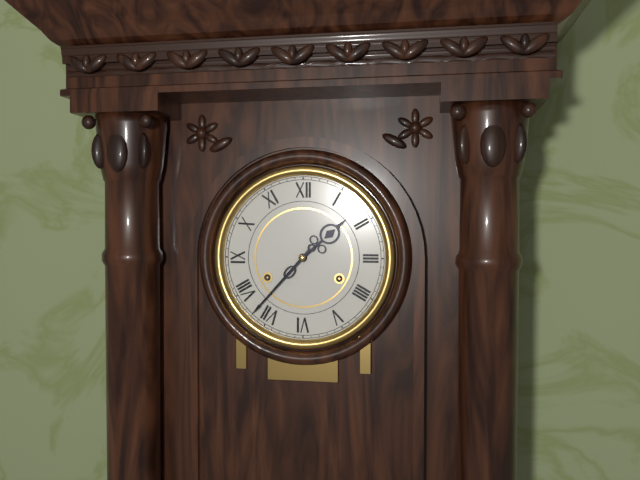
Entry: 1:37
